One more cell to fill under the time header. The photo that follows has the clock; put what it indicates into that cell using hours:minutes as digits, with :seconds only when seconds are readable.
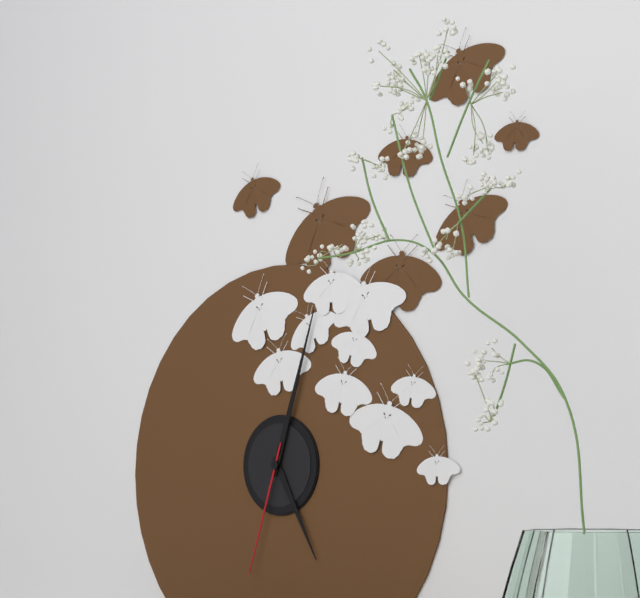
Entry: 5:03:33
